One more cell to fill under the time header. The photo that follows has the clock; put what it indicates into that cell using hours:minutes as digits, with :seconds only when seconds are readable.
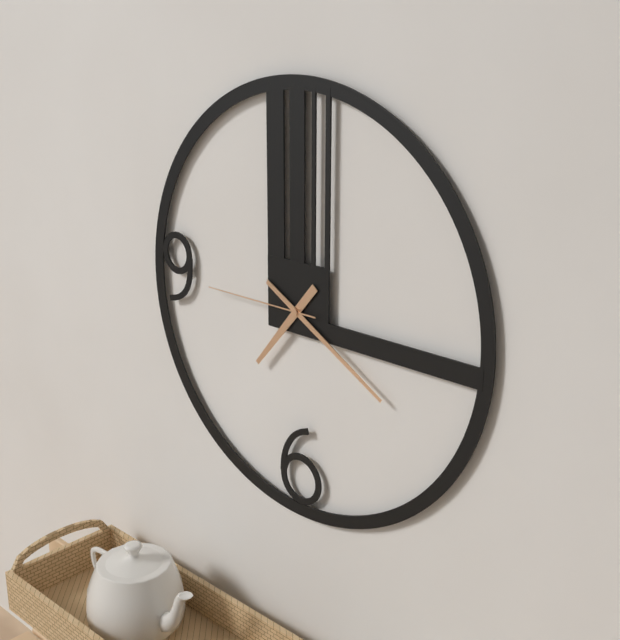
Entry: 7:20:45
